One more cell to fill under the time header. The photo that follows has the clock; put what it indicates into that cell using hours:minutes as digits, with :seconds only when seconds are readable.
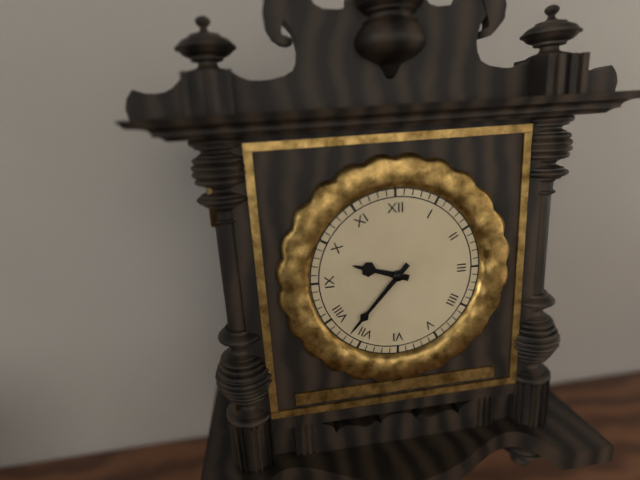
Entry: 9:37
